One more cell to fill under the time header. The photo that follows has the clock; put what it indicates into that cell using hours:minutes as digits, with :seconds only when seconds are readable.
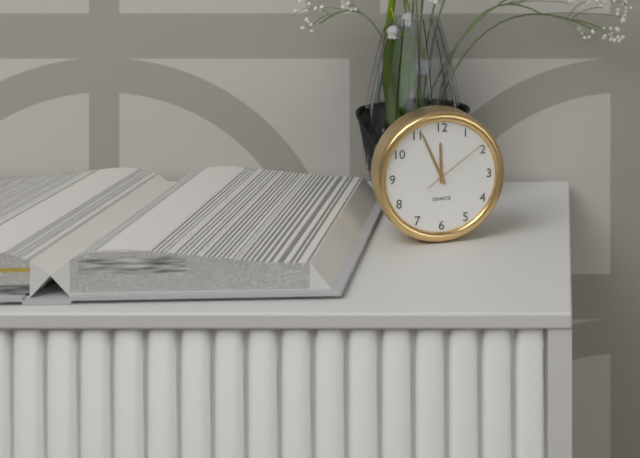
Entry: 11:56:09
